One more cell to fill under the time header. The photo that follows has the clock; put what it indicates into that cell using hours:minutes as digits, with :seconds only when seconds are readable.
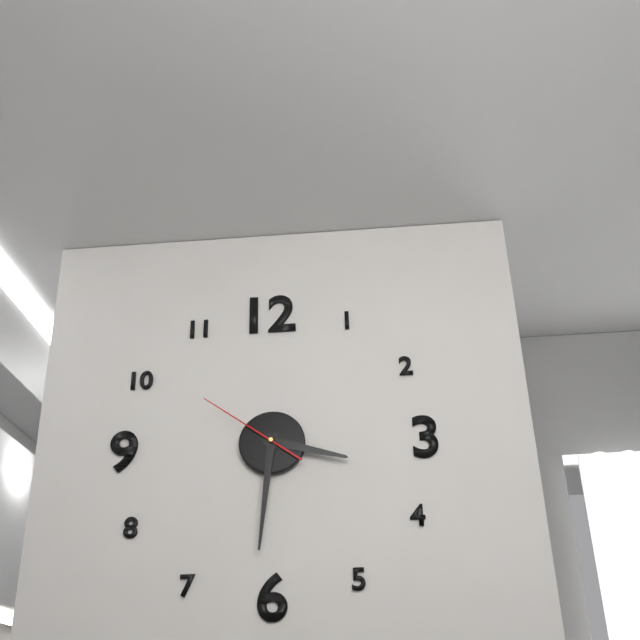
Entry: 3:31:51
